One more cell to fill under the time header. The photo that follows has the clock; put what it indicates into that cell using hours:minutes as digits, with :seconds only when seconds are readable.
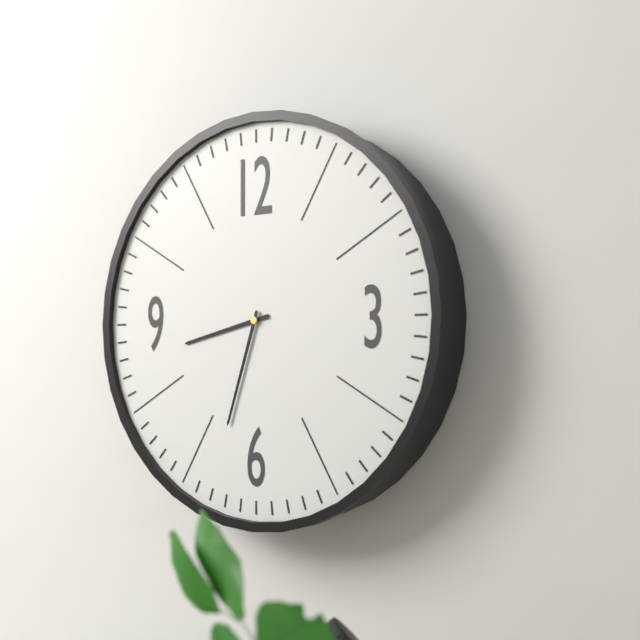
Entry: 8:33
